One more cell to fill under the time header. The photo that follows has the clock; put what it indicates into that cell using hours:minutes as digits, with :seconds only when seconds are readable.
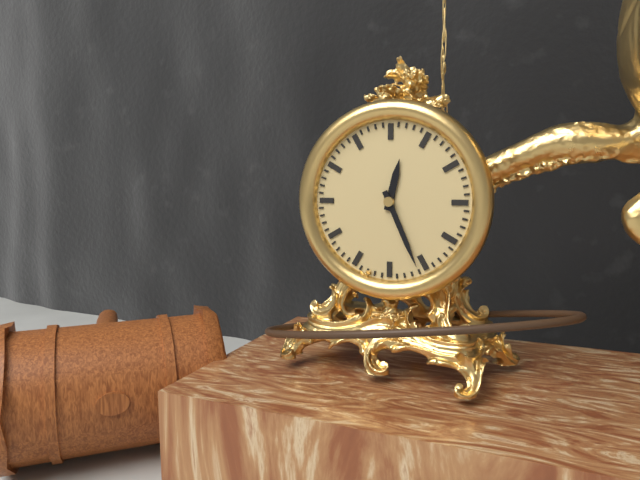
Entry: 12:26
